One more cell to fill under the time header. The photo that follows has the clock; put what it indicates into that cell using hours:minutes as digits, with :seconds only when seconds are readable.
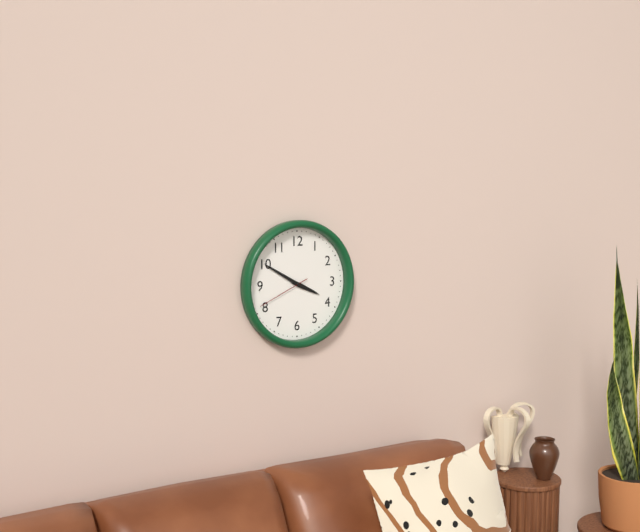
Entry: 3:50:41
